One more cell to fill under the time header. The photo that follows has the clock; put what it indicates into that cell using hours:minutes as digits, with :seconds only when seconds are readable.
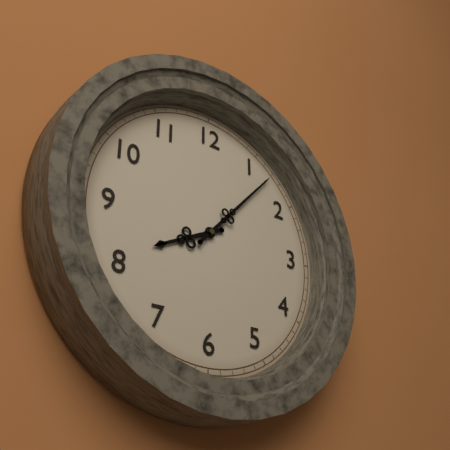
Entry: 8:07
